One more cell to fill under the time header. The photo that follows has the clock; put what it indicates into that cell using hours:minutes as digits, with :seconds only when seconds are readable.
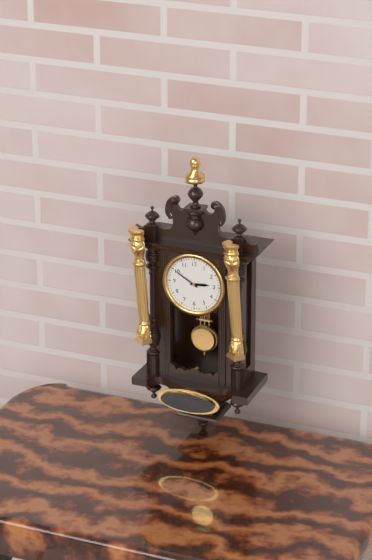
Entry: 2:50
